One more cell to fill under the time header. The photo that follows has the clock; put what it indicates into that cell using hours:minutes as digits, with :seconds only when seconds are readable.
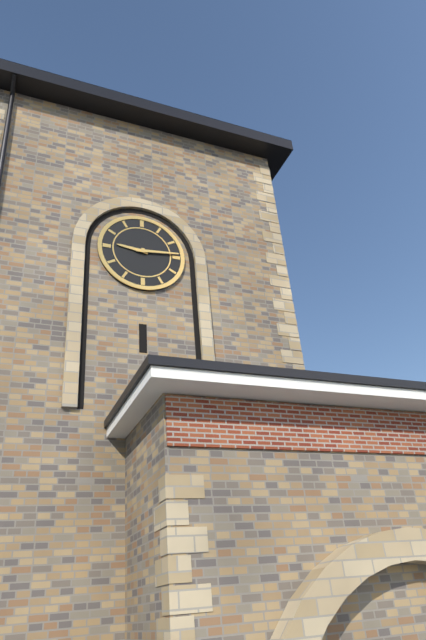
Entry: 9:14
